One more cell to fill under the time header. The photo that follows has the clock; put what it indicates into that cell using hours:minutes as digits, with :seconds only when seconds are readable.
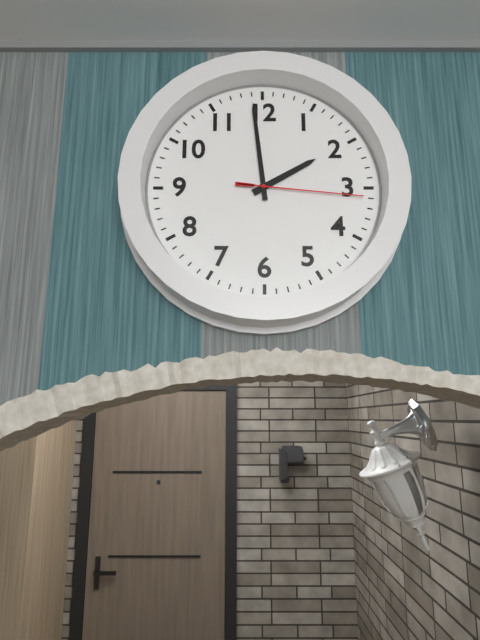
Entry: 1:59:16
